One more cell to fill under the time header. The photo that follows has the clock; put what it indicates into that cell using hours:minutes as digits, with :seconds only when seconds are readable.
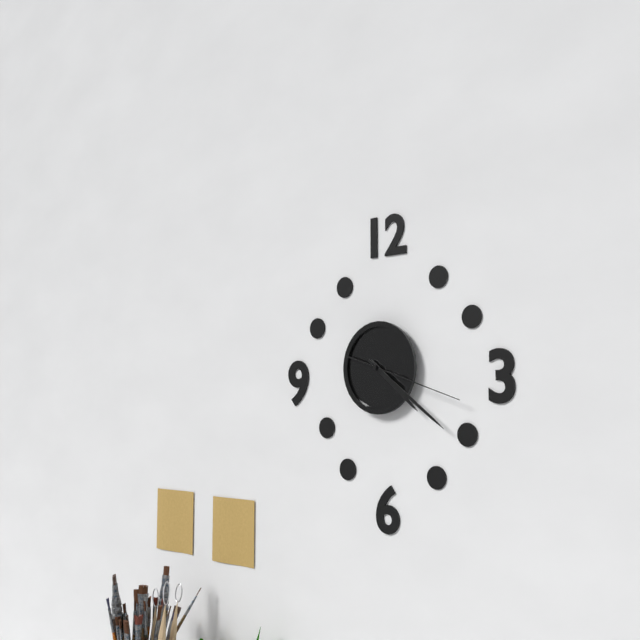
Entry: 4:21:18
